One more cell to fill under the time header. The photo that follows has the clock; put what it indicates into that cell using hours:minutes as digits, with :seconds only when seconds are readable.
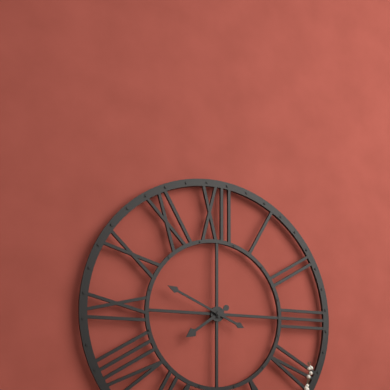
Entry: 7:49
